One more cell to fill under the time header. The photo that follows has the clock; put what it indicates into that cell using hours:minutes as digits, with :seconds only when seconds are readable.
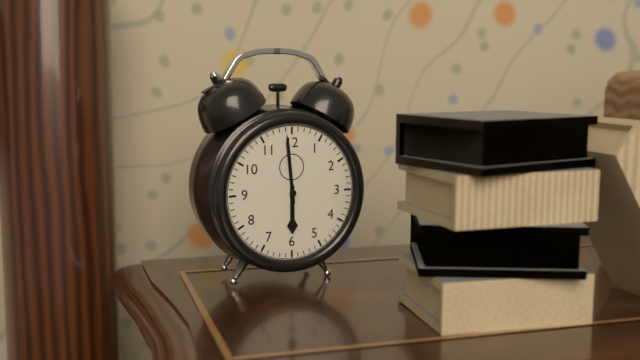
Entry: 5:59
